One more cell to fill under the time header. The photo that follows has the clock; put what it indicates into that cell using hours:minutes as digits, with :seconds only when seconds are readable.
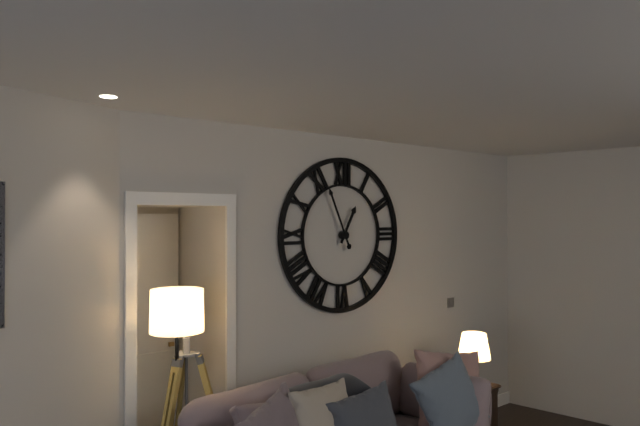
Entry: 12:56
